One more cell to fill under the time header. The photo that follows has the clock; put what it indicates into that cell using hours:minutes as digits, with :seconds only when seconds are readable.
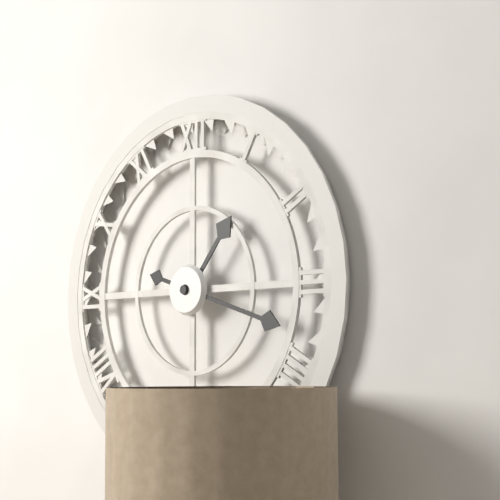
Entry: 1:18
